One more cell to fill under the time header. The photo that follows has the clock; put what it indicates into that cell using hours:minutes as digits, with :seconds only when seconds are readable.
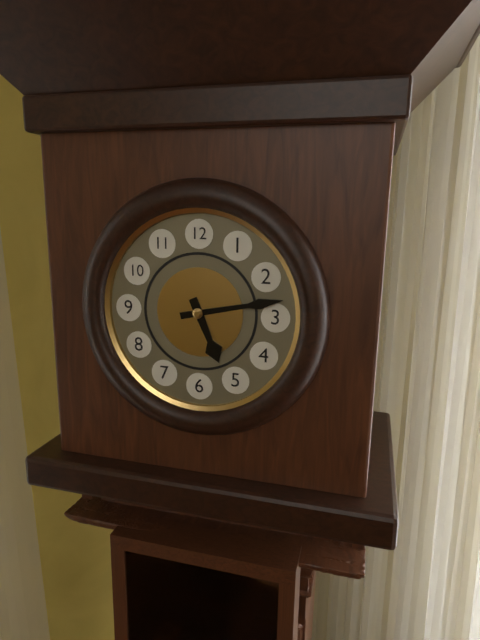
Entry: 5:13
